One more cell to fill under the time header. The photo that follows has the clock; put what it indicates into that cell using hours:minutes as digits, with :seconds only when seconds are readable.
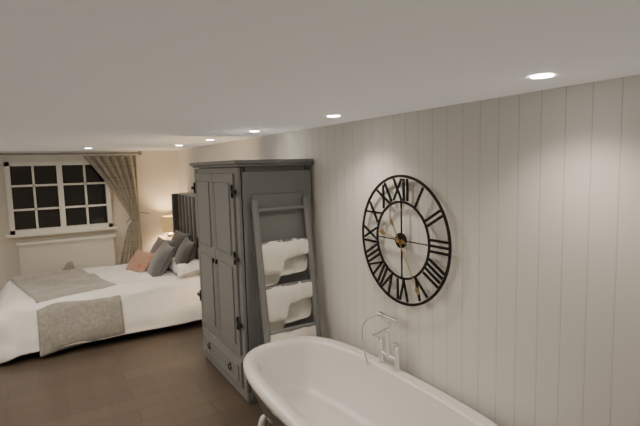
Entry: 9:25
